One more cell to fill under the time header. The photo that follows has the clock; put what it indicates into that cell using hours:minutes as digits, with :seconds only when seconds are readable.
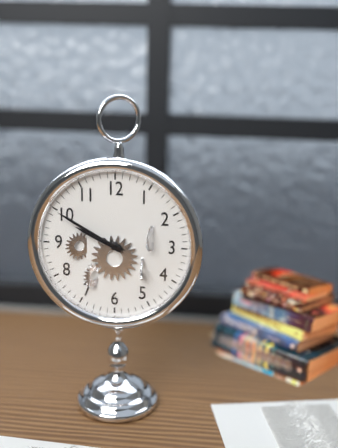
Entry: 9:50
